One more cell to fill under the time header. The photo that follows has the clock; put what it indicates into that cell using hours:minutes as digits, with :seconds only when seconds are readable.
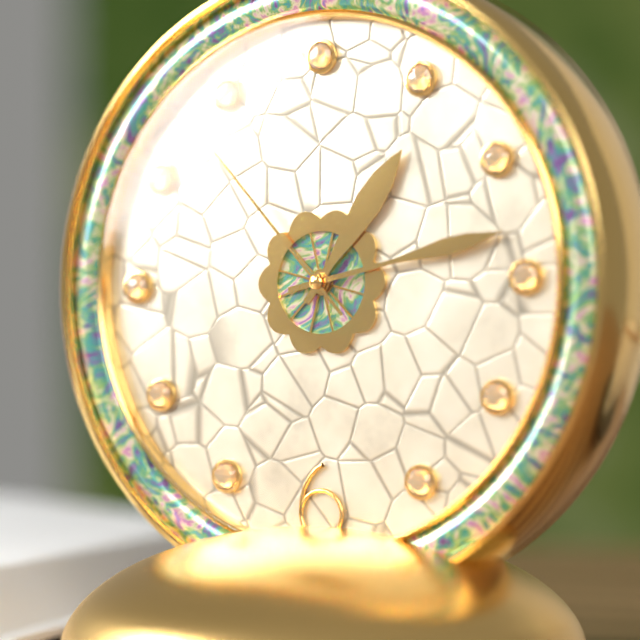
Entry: 1:13:53
